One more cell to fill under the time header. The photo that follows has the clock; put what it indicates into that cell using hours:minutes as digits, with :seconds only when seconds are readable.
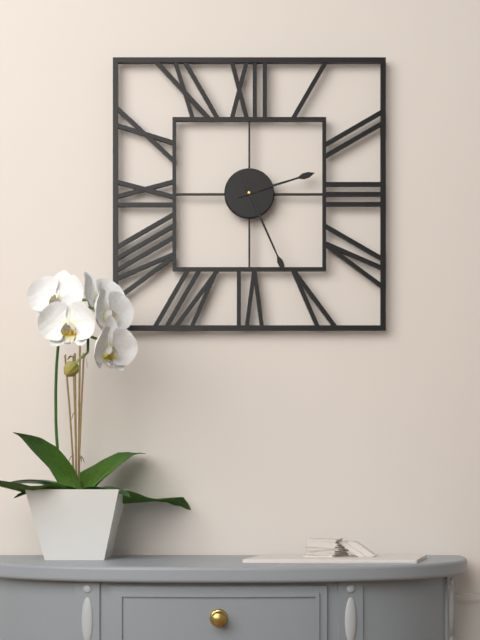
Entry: 2:26
